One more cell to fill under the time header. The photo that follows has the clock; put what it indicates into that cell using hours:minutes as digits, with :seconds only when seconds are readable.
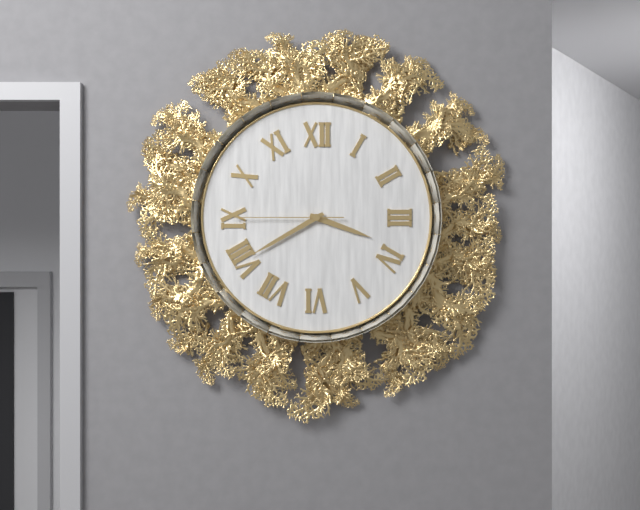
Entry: 3:40:45
